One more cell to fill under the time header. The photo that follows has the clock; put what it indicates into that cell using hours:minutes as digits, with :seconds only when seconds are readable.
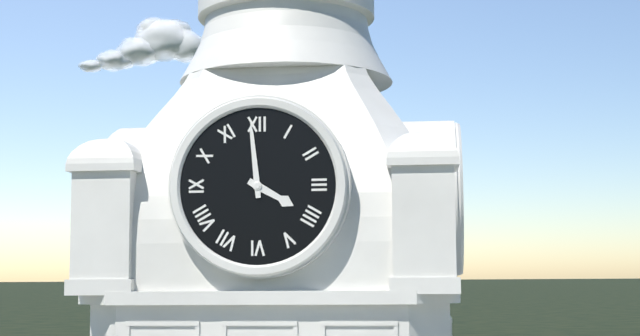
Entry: 3:59
